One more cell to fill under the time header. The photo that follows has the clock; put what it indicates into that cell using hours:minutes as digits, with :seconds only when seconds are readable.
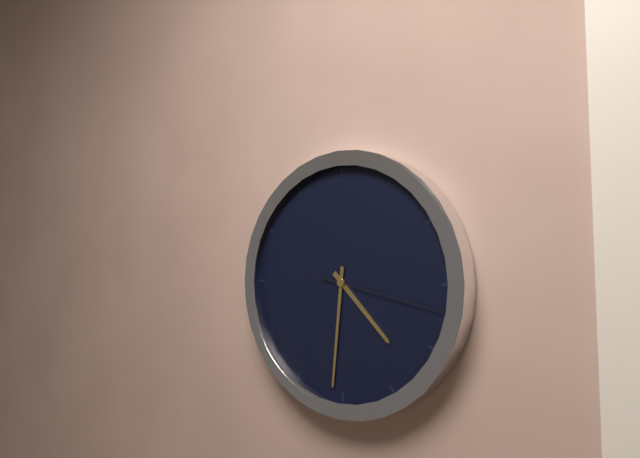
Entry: 4:31:17
